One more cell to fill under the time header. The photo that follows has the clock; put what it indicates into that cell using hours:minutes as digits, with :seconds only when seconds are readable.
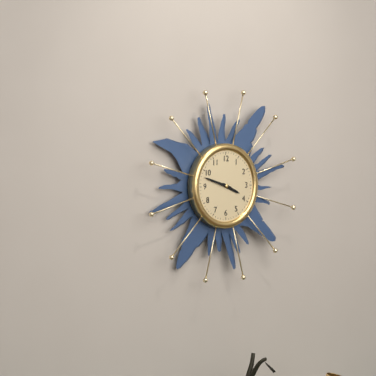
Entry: 3:48
